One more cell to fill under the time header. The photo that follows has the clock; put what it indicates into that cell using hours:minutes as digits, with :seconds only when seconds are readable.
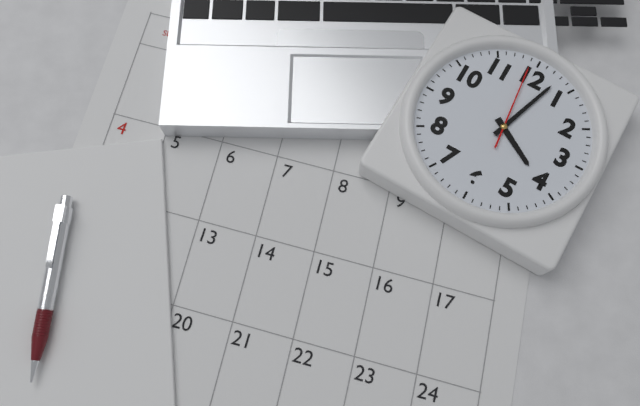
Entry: 4:03:59
